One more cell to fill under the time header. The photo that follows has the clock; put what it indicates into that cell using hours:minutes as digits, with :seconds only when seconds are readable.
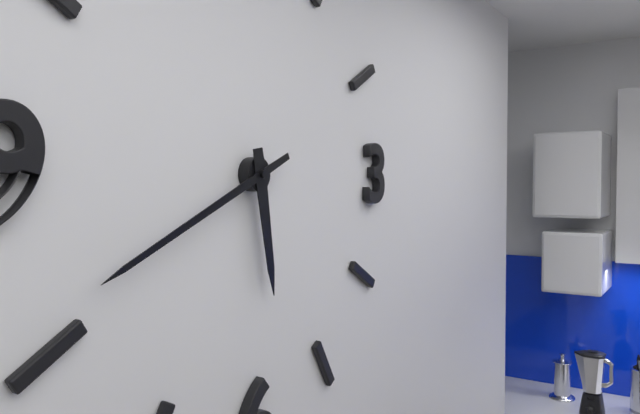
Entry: 5:41
